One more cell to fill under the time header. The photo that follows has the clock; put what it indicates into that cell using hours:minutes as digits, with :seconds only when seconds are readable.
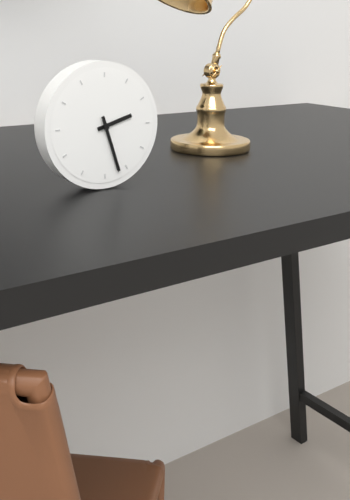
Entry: 2:27
